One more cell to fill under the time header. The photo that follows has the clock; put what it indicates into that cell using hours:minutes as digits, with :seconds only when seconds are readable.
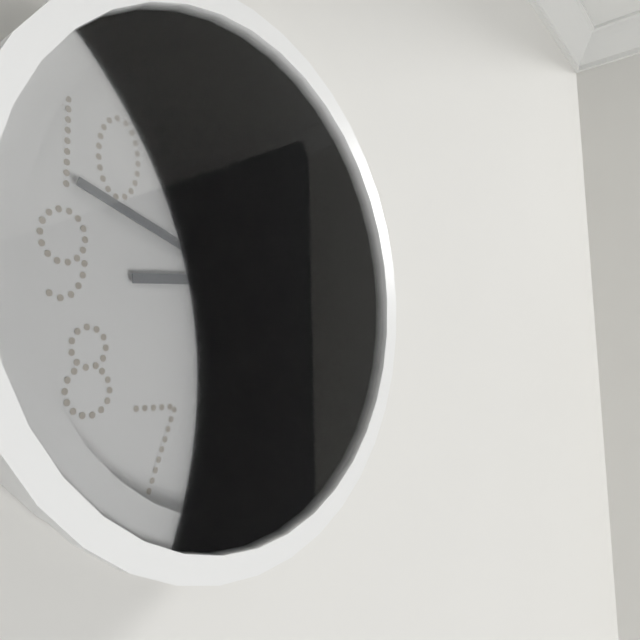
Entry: 8:48
